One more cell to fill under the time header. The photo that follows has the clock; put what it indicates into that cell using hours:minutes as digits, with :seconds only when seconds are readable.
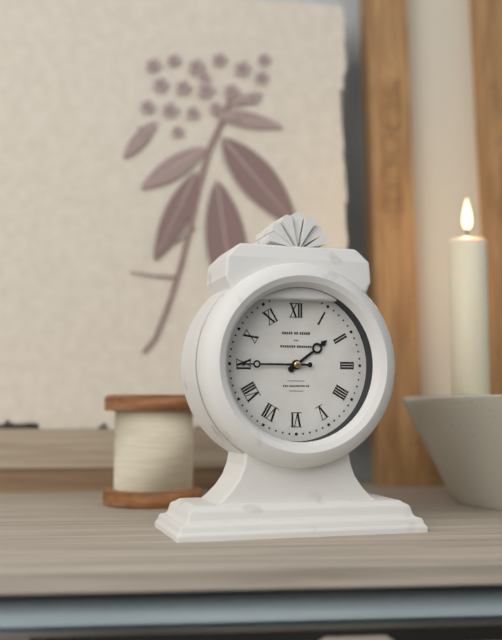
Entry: 1:45
